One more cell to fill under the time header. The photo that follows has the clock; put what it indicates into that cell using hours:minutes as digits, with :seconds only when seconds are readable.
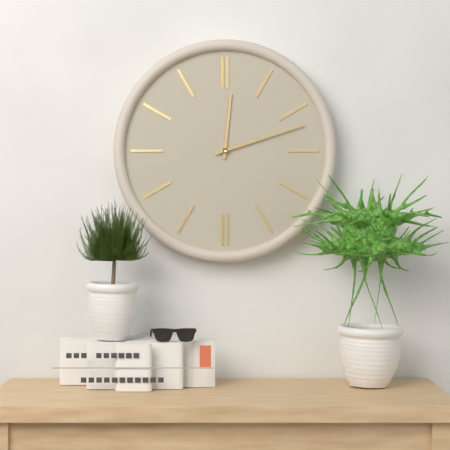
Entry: 12:12
